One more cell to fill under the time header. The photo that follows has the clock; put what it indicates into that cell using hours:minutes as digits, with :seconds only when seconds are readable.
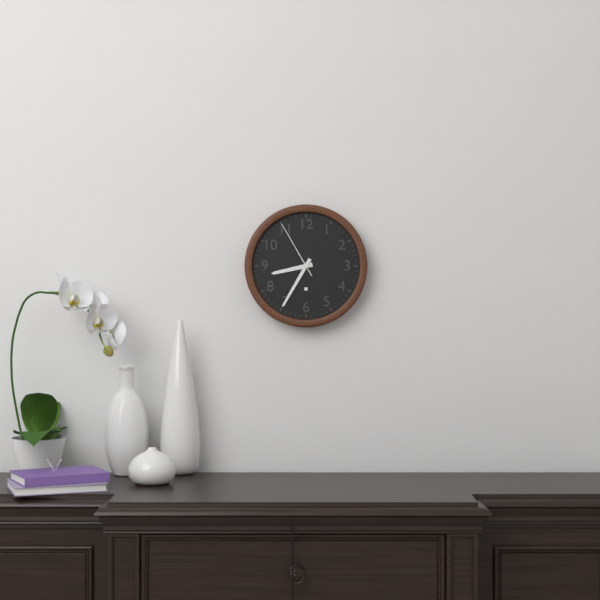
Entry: 8:35:55
